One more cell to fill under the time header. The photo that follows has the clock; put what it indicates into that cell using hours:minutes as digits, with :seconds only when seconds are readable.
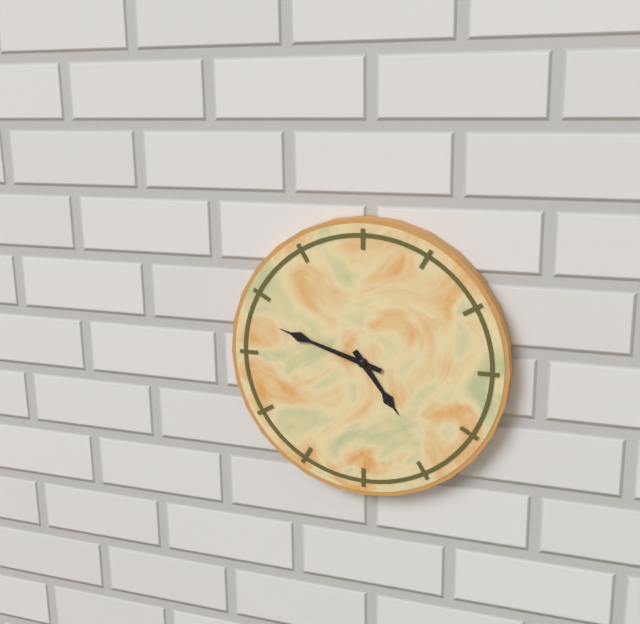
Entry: 4:48
